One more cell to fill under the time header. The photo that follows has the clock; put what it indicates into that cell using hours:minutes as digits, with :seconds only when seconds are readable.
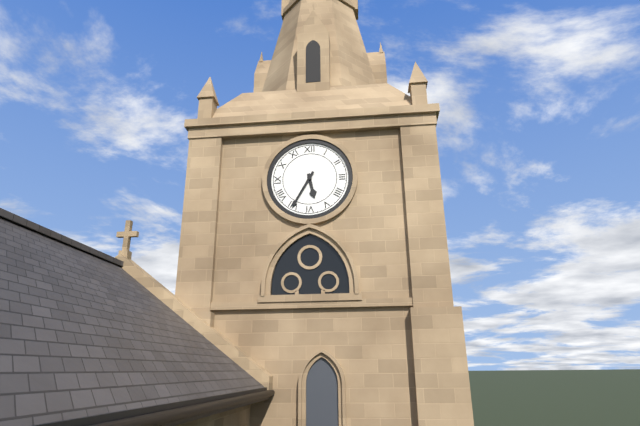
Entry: 5:35
